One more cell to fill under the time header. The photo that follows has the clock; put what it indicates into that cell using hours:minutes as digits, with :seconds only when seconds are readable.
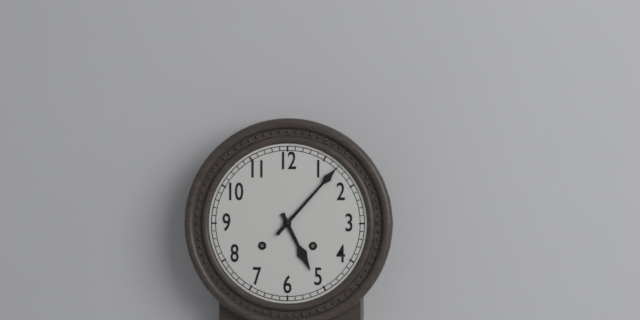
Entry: 5:07
